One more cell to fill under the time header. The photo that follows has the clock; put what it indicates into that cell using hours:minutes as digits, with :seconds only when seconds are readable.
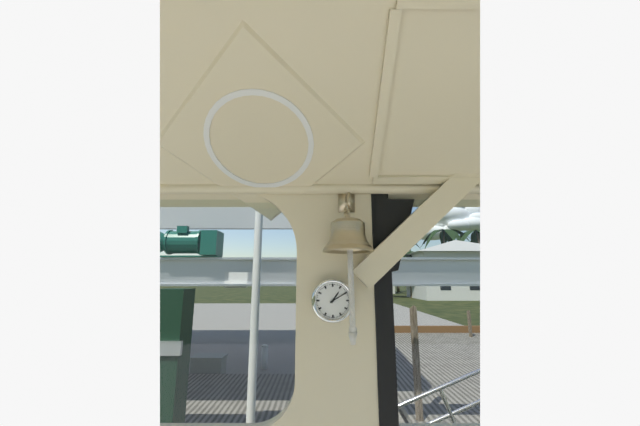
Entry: 1:10
